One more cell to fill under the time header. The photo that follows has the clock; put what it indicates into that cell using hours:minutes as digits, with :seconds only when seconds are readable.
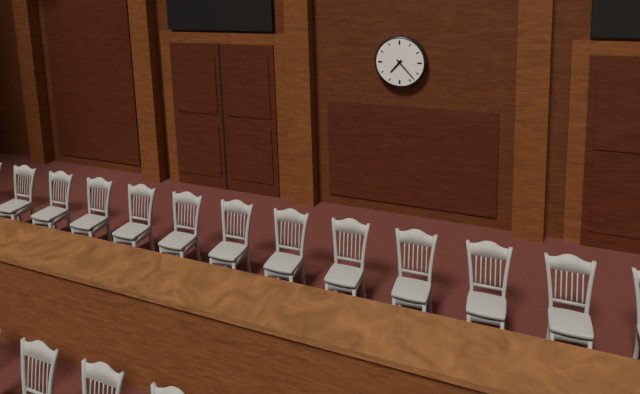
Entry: 7:23
